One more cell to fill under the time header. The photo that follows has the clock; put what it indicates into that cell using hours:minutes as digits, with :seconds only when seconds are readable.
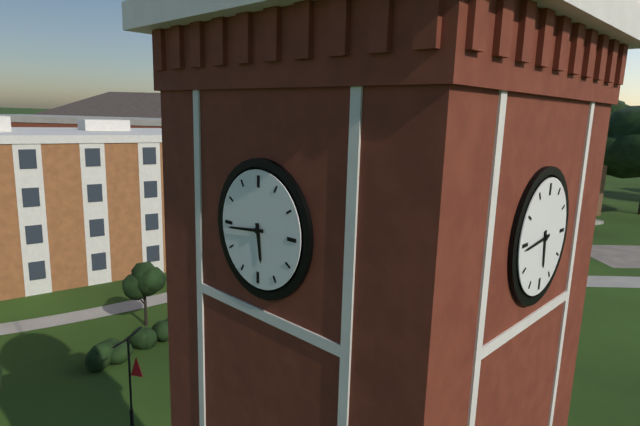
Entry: 5:44
